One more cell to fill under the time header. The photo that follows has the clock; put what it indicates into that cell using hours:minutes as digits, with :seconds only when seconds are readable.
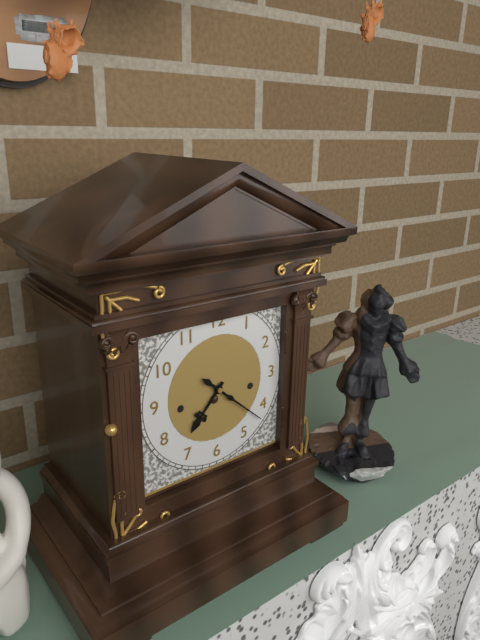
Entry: 7:22
